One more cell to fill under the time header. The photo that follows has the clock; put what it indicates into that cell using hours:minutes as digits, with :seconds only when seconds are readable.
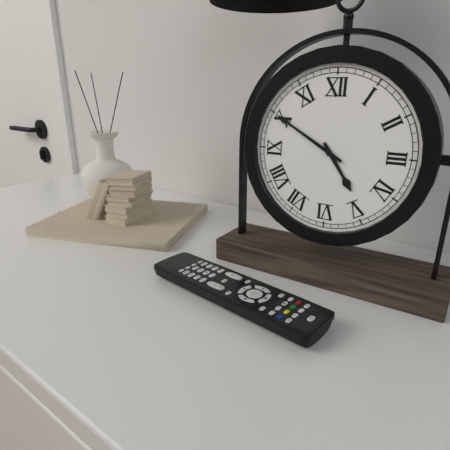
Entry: 4:50
